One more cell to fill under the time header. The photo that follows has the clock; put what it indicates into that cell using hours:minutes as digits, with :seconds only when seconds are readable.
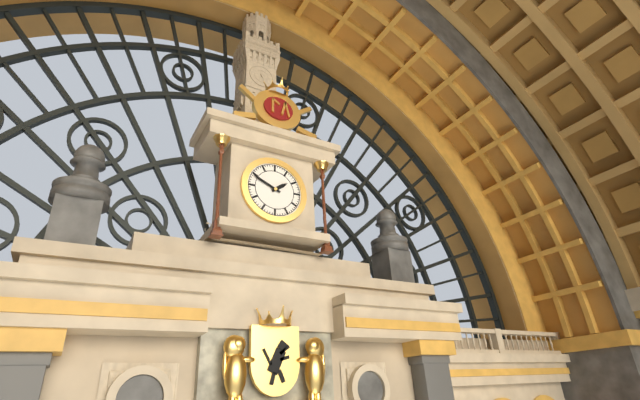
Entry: 1:49
